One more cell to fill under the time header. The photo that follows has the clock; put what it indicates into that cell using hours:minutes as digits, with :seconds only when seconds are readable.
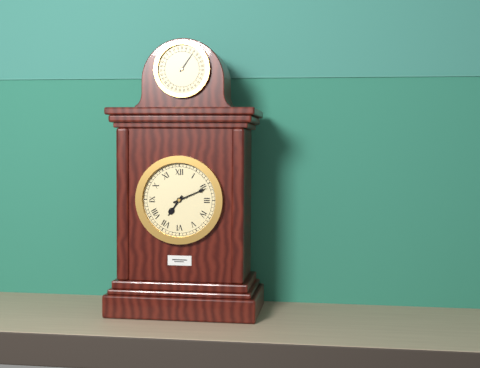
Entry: 7:11
